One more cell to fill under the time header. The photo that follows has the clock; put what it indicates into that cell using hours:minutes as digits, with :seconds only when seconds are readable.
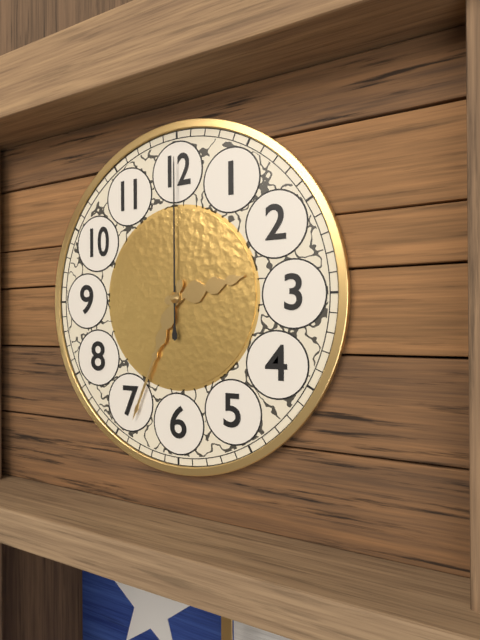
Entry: 2:34:00
